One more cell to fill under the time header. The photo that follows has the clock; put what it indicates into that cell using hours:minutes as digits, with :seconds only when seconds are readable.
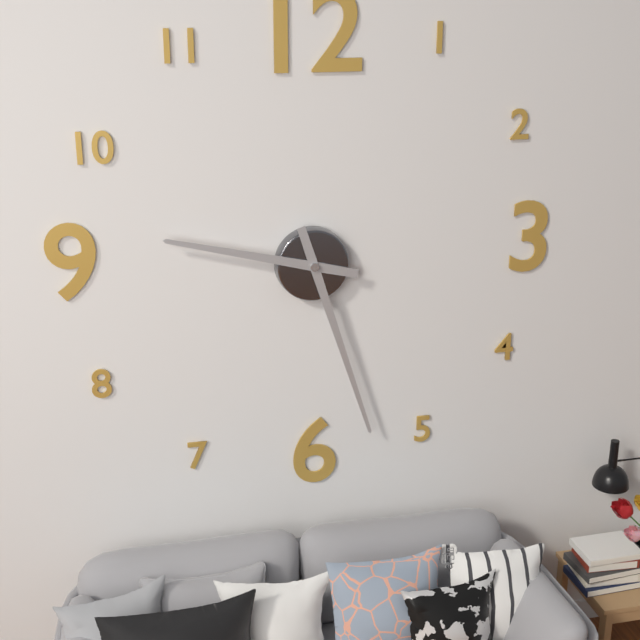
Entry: 9:27
